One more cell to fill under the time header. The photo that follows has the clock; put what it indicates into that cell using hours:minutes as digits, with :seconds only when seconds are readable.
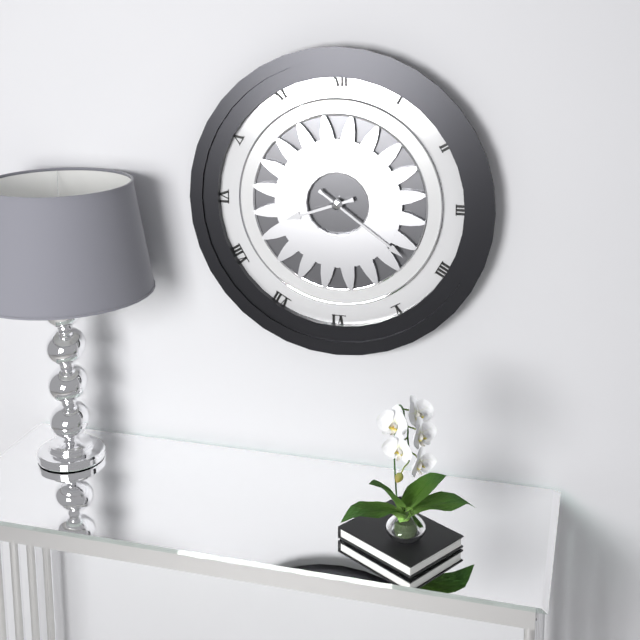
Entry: 8:21
